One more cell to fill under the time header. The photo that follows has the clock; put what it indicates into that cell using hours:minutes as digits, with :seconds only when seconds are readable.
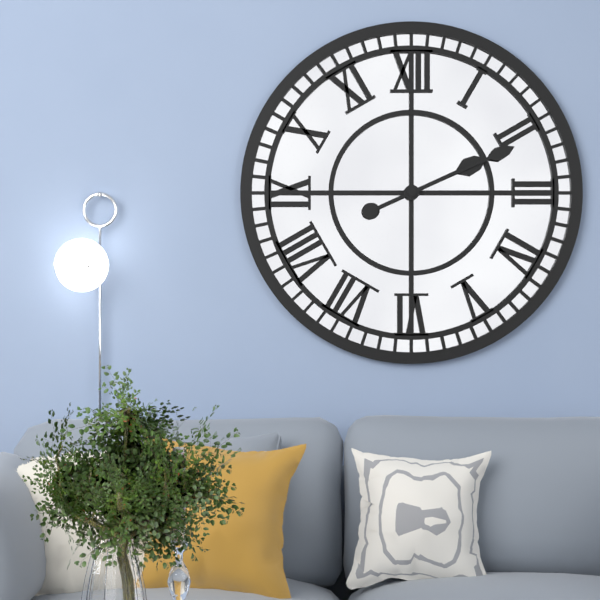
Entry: 2:11
